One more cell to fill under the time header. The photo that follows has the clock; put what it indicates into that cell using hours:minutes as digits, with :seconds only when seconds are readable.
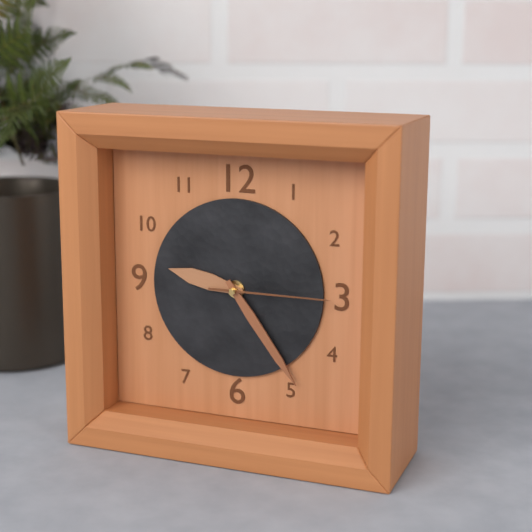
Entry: 9:24:15
